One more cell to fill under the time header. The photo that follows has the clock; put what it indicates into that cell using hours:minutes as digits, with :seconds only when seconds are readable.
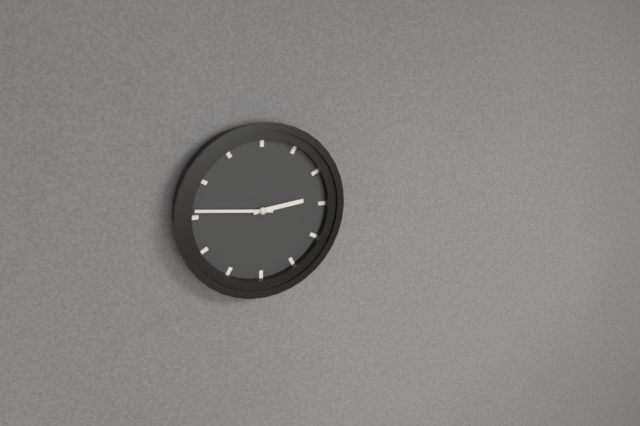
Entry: 2:46
